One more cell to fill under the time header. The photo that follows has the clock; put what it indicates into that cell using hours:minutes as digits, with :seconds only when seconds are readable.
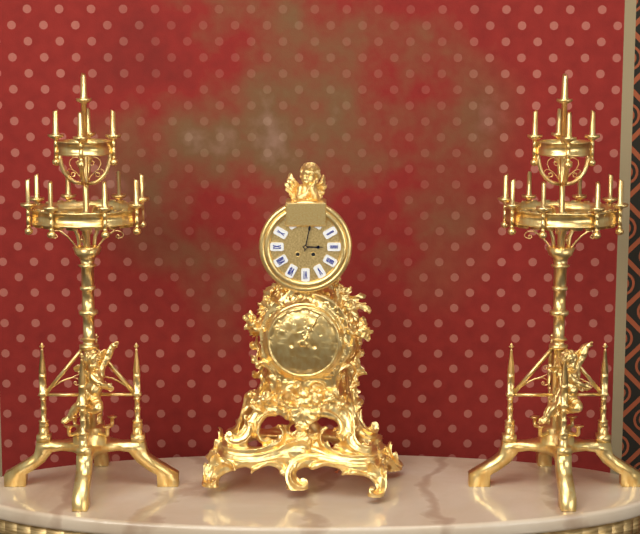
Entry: 3:02
